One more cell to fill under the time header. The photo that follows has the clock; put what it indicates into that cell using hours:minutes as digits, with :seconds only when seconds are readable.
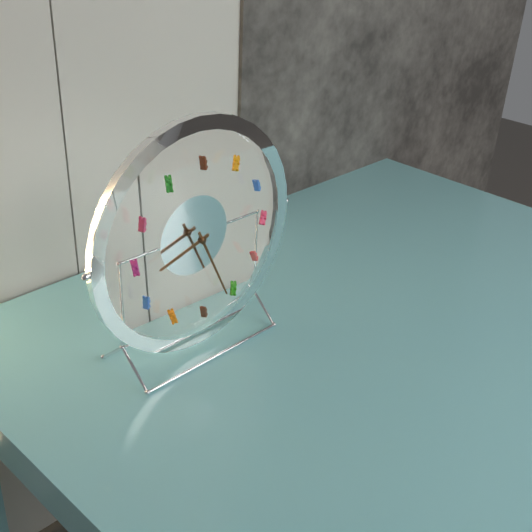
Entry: 8:26
